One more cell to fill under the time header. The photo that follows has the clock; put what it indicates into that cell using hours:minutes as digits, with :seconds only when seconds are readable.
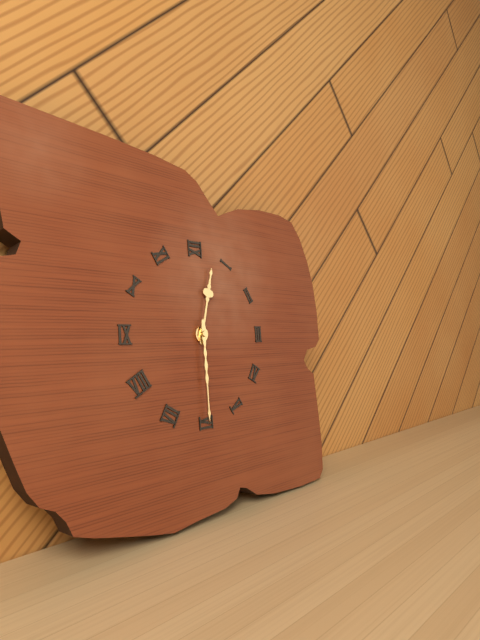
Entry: 12:30
